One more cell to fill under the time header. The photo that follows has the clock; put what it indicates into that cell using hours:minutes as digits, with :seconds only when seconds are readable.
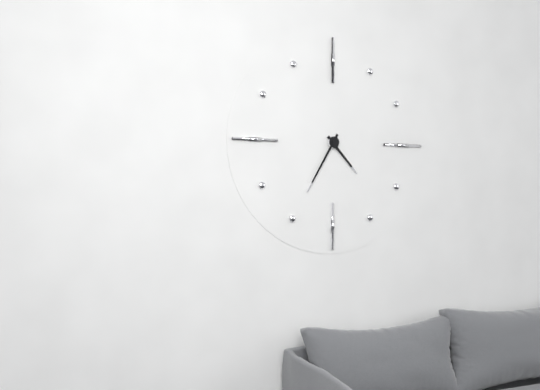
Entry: 4:35
